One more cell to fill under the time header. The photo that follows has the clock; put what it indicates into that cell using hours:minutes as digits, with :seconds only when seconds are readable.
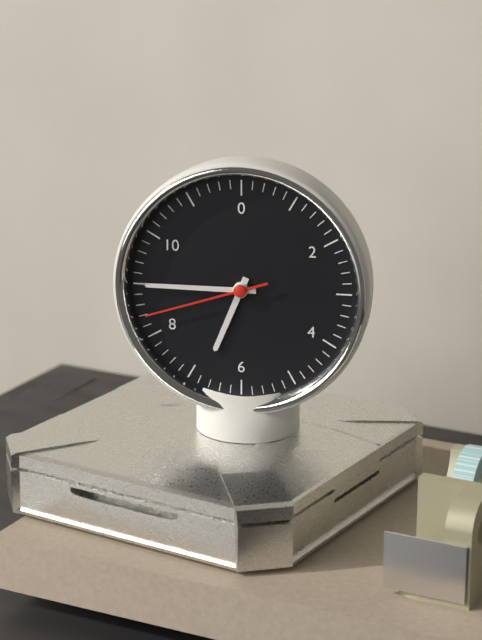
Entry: 6:45:42
